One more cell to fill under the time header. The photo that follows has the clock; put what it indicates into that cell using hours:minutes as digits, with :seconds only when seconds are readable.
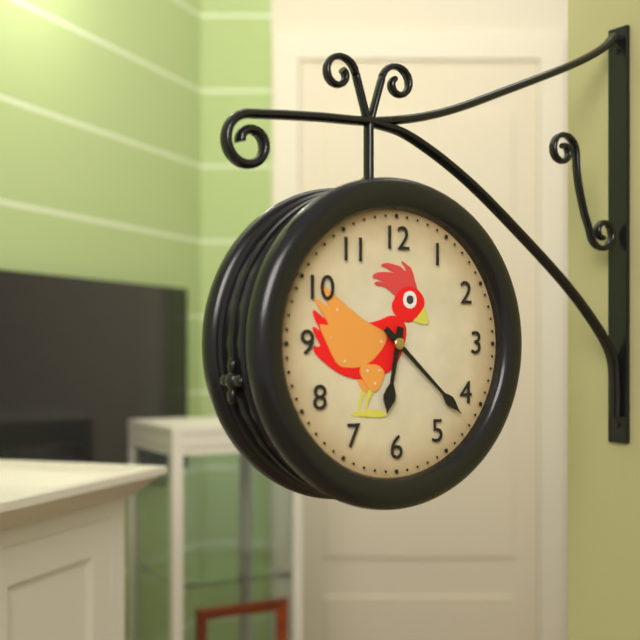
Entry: 6:22
